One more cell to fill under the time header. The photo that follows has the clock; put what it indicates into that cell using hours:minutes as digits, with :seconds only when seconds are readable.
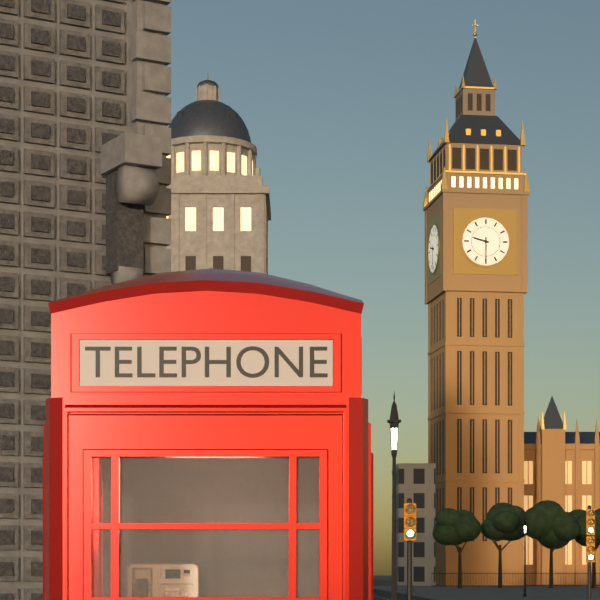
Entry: 9:30
